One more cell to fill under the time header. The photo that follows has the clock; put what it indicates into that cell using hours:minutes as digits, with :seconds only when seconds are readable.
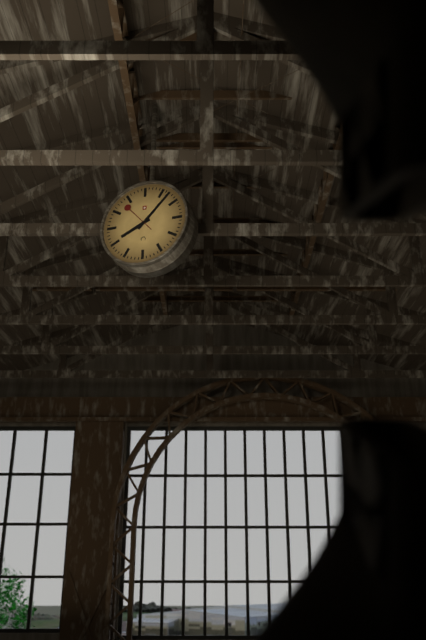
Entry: 8:07
